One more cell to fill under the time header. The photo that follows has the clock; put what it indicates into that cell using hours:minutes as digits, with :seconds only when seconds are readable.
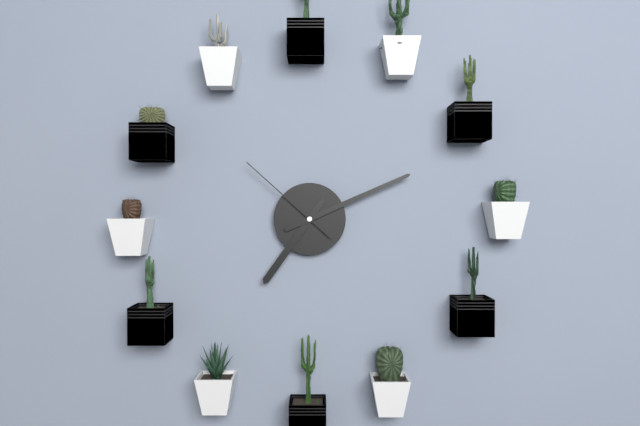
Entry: 7:11:52
